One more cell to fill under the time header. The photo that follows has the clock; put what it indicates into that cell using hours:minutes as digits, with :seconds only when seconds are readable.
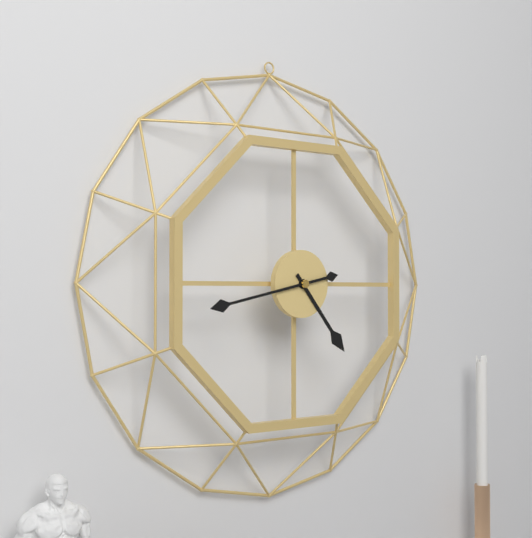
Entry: 4:43
